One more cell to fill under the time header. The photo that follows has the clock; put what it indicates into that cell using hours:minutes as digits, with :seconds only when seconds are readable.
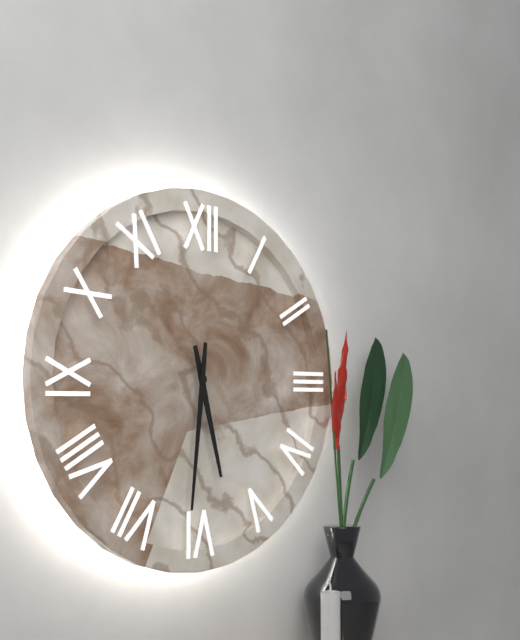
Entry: 5:31
